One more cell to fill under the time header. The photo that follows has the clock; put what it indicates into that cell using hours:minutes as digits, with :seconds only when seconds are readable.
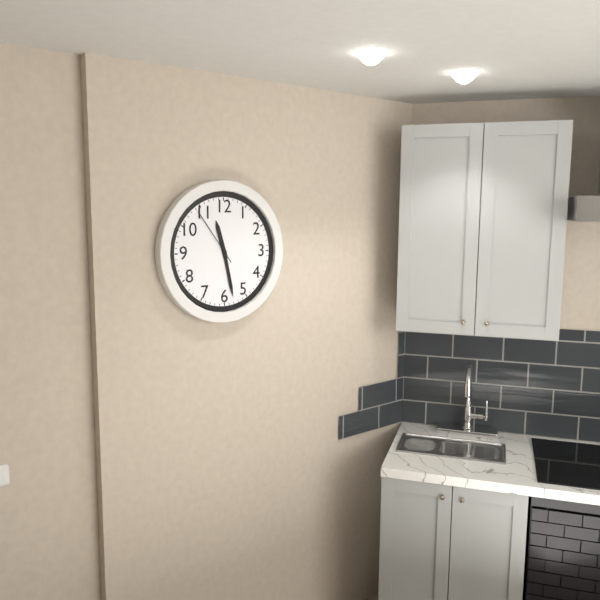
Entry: 11:28:54
